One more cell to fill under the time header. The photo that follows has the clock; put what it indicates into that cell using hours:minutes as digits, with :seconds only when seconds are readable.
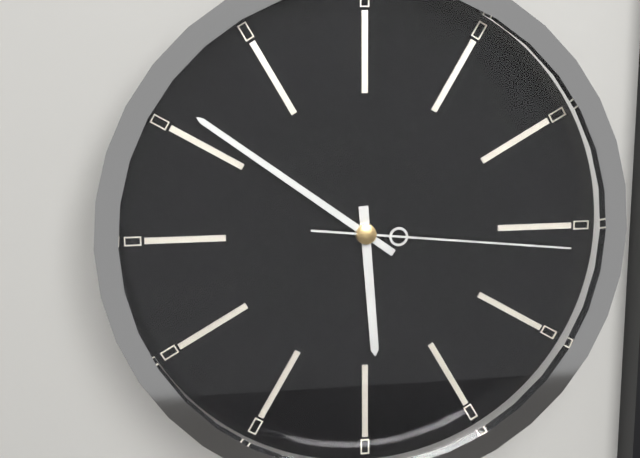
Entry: 5:51:16
